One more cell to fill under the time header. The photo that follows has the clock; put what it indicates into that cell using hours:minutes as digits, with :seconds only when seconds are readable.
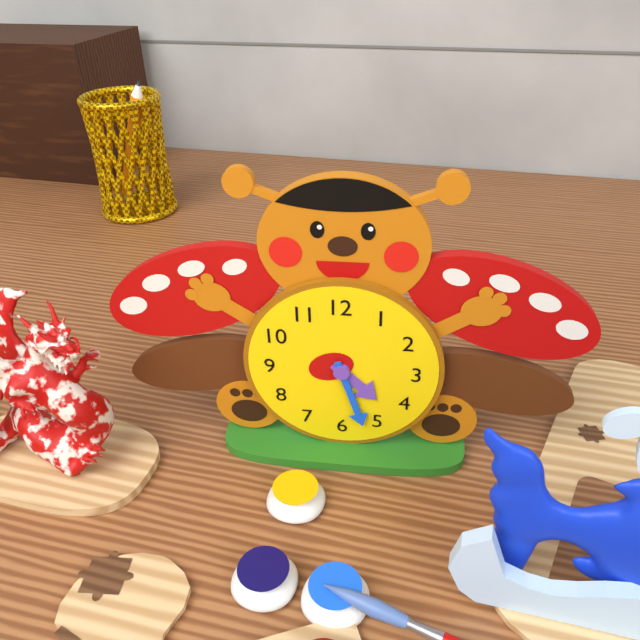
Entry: 4:27
